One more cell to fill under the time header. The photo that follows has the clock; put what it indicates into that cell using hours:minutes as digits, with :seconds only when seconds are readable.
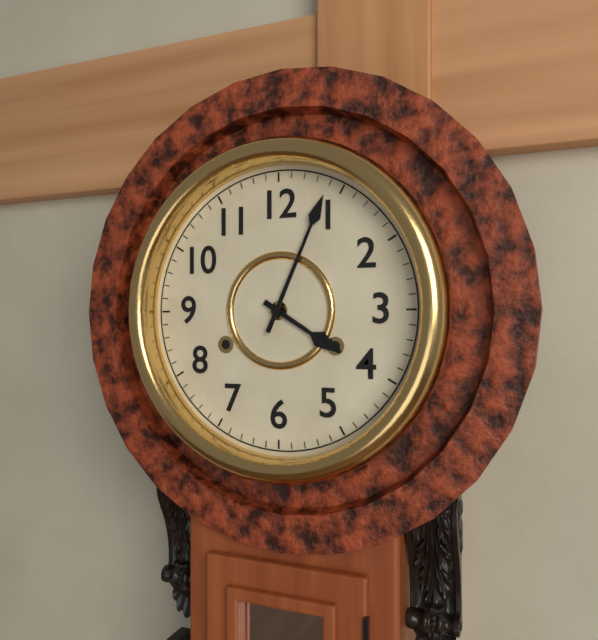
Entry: 4:04
